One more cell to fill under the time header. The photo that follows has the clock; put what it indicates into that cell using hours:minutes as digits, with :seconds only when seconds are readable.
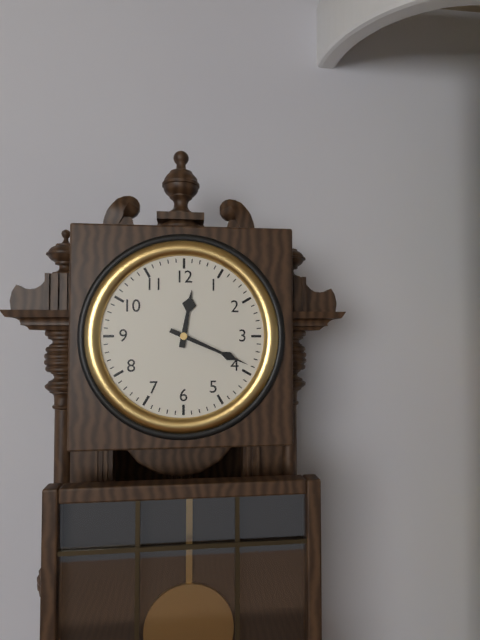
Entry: 12:19
